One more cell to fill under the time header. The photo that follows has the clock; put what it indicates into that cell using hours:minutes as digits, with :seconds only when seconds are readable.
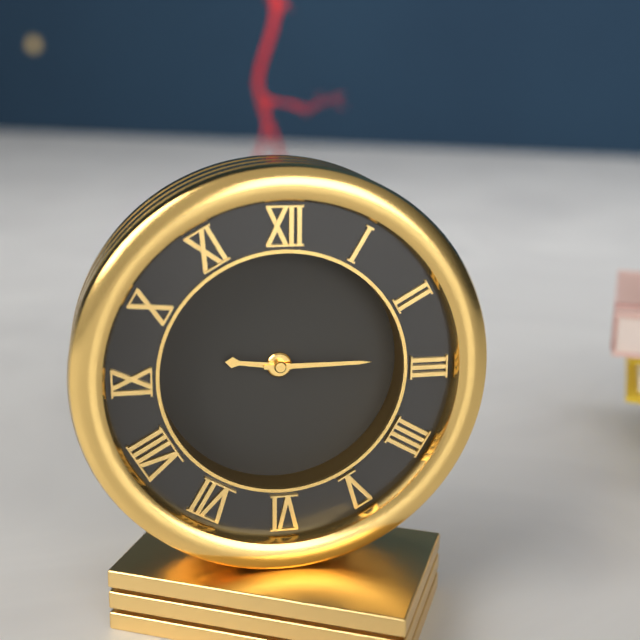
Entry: 9:15
